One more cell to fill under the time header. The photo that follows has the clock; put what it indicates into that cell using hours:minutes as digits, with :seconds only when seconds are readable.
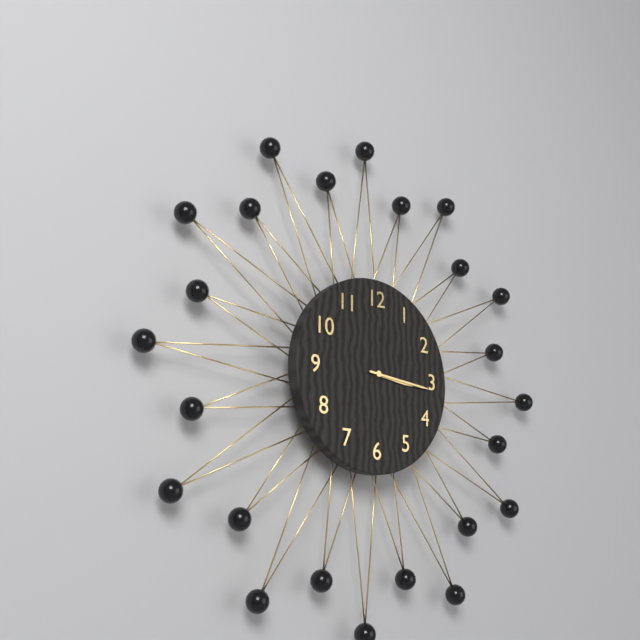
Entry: 3:16
